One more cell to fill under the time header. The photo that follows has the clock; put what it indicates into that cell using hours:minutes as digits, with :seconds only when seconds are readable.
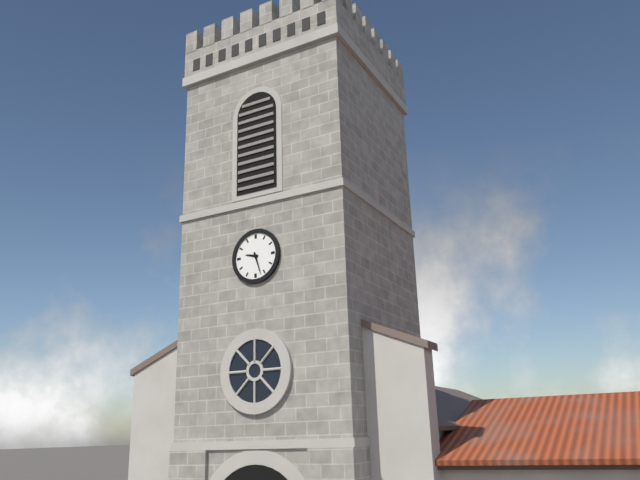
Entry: 9:27
